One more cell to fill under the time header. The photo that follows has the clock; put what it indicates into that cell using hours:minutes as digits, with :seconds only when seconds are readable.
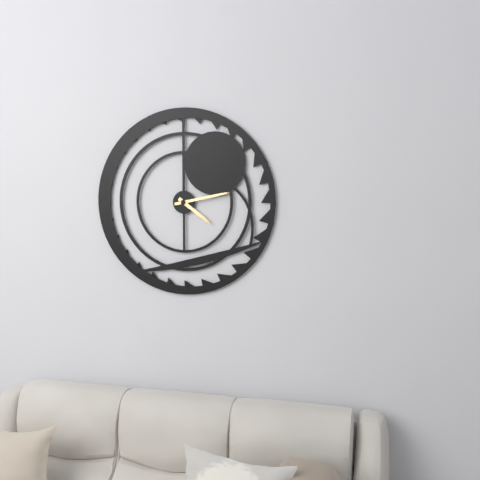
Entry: 4:13
